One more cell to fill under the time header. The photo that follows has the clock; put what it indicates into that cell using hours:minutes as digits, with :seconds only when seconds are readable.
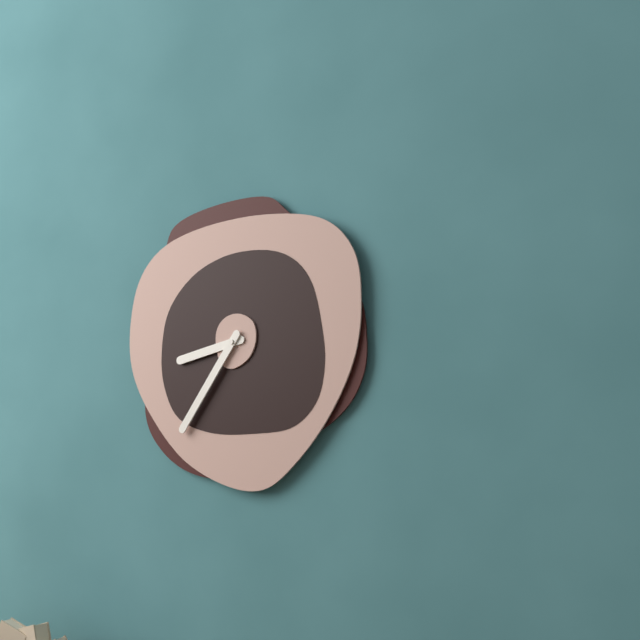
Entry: 8:36
